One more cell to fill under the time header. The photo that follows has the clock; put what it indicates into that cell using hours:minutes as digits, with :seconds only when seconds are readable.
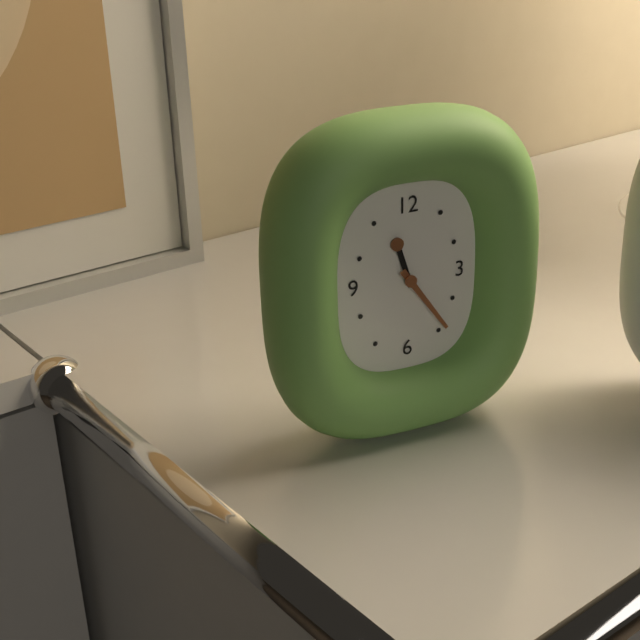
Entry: 11:24
